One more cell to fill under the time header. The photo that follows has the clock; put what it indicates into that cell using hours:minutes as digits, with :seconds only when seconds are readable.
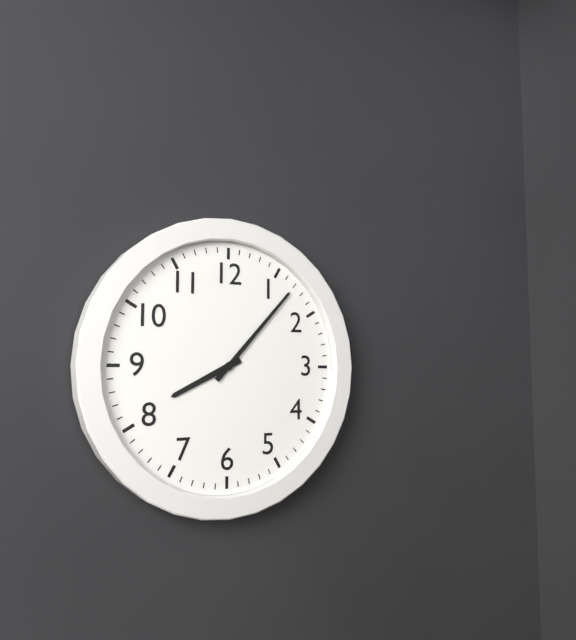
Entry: 8:07
